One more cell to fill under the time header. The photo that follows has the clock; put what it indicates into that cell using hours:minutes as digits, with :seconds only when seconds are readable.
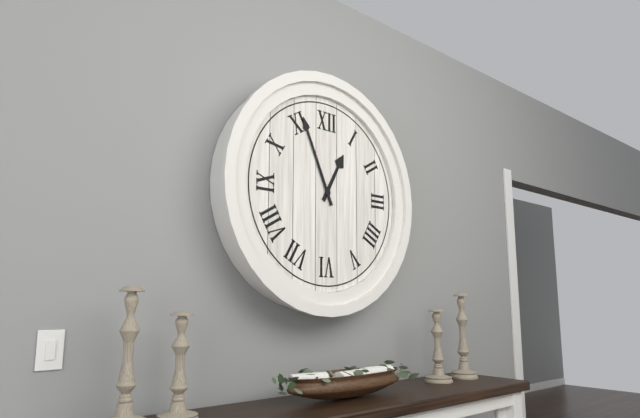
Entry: 12:56
